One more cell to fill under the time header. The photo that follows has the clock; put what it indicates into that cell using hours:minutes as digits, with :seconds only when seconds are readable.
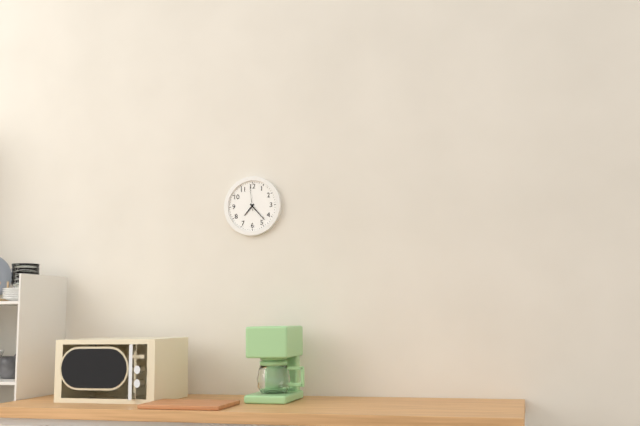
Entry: 7:23
